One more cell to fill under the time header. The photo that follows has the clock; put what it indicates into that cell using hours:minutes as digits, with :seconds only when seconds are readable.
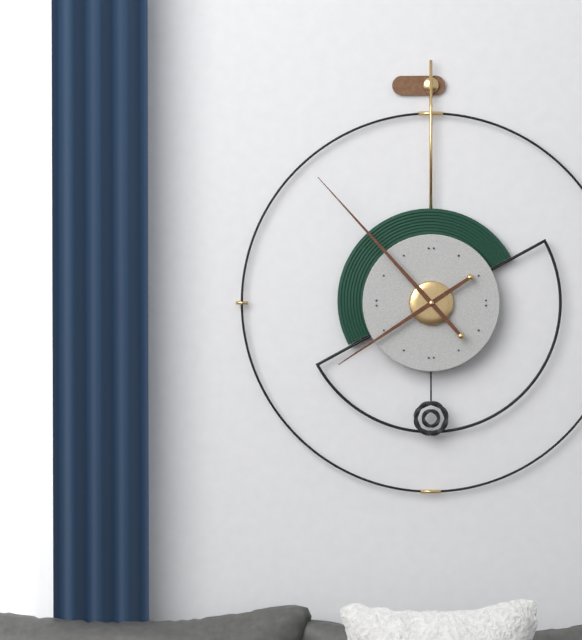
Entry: 7:53
